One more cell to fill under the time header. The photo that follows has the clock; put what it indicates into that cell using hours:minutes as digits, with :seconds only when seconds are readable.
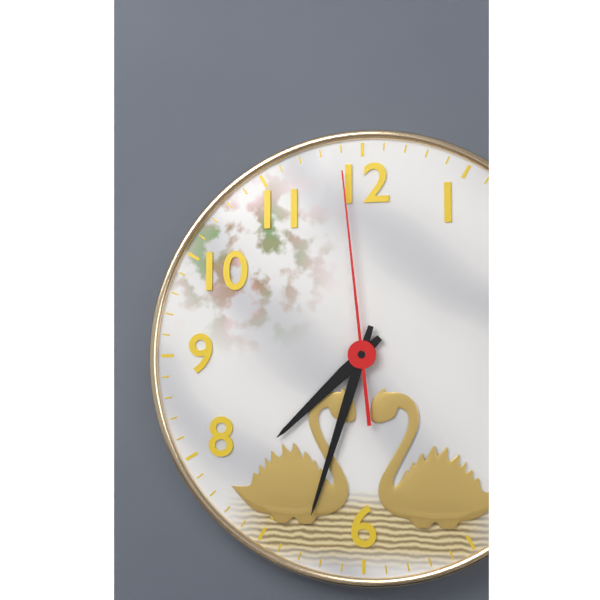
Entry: 7:33:59
